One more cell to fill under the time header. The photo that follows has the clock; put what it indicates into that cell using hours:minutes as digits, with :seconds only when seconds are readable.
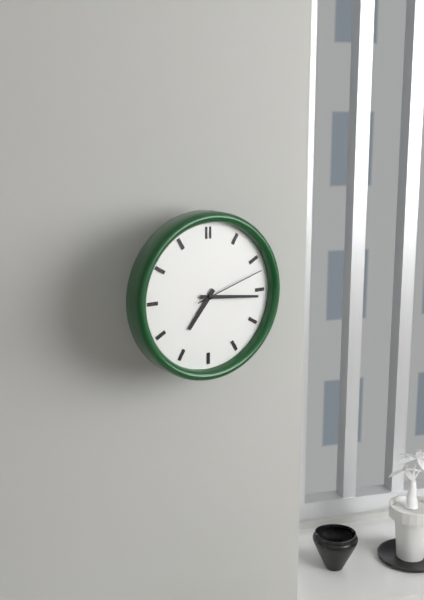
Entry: 7:16:12
